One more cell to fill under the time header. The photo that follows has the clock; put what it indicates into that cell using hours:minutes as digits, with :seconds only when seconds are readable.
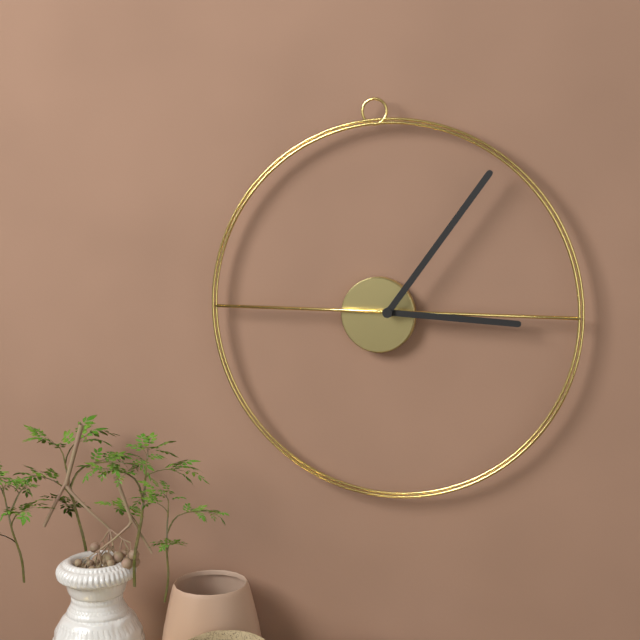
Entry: 3:06
